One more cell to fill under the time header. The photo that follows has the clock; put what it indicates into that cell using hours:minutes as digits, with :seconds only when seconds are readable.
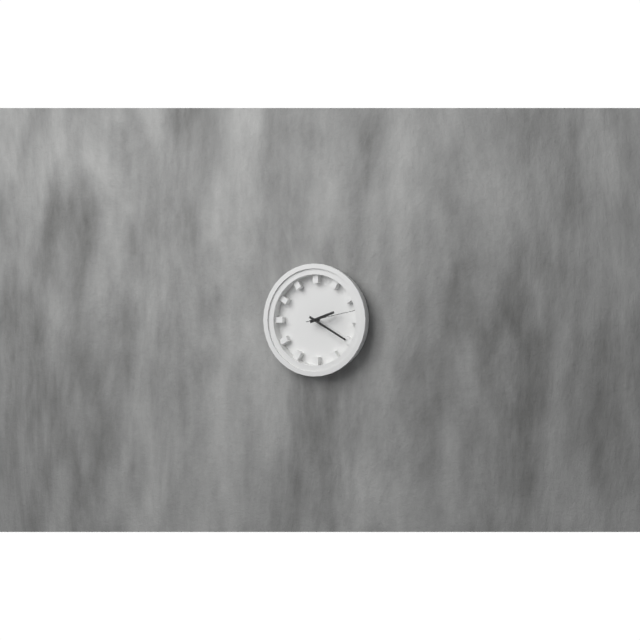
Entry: 2:20:13
